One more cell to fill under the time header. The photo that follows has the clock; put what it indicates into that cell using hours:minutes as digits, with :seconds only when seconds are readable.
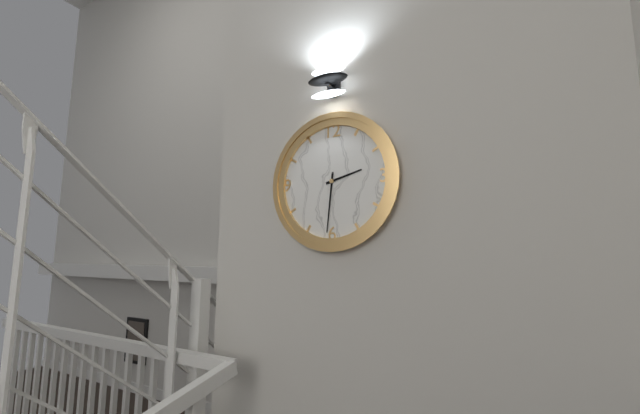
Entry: 2:31
